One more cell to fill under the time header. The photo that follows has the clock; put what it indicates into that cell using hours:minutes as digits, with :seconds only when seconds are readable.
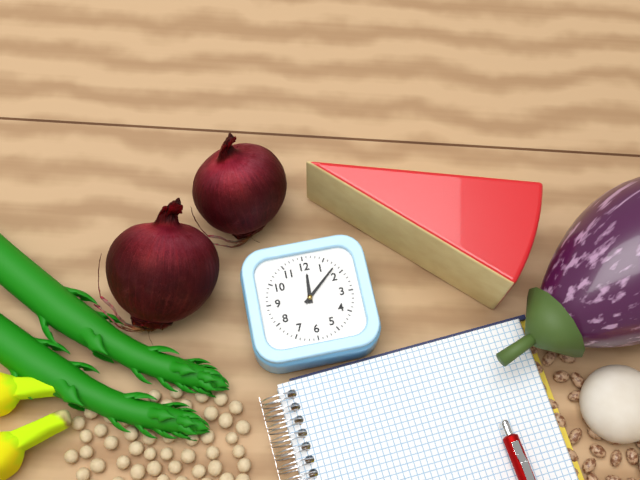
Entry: 12:08
